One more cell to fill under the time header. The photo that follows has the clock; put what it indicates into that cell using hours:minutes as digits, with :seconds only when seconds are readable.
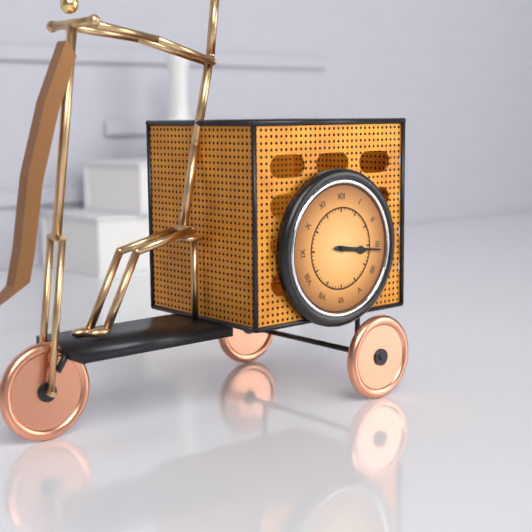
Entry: 3:16
